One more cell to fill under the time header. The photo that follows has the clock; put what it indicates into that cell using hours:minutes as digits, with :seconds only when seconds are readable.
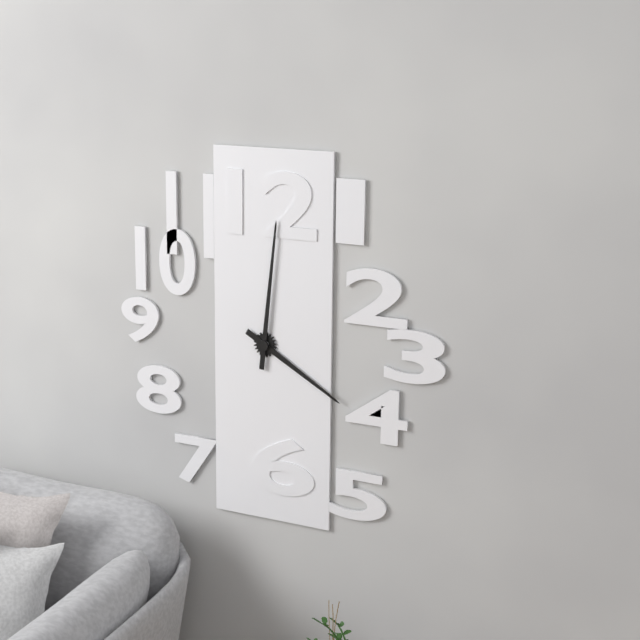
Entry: 4:01
